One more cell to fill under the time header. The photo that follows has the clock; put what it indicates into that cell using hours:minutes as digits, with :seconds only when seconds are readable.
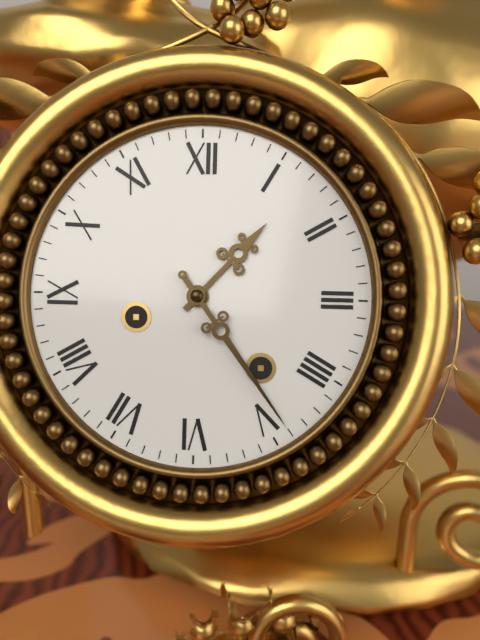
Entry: 1:24
